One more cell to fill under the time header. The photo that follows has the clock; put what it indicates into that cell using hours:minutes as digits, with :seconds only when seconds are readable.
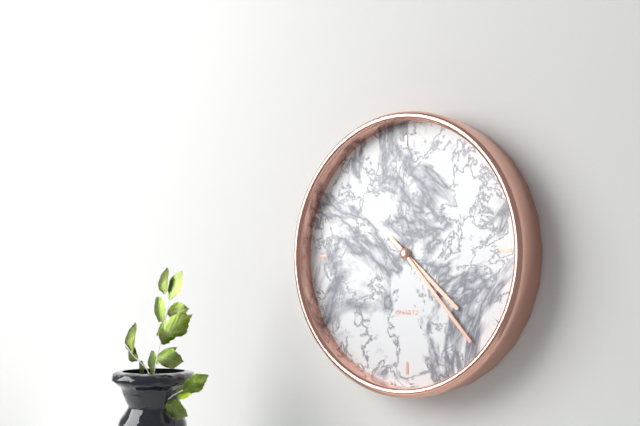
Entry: 4:23
